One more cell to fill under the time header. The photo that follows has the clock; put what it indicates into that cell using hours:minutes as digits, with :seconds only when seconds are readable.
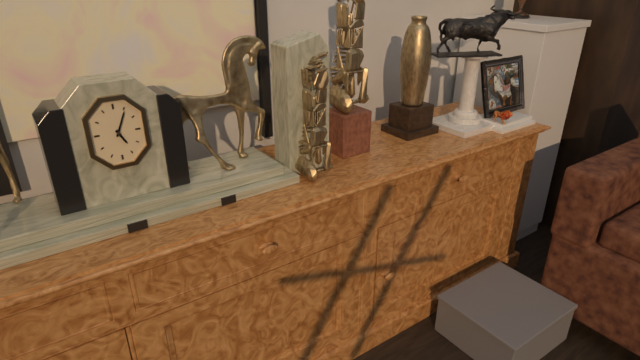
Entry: 5:04
